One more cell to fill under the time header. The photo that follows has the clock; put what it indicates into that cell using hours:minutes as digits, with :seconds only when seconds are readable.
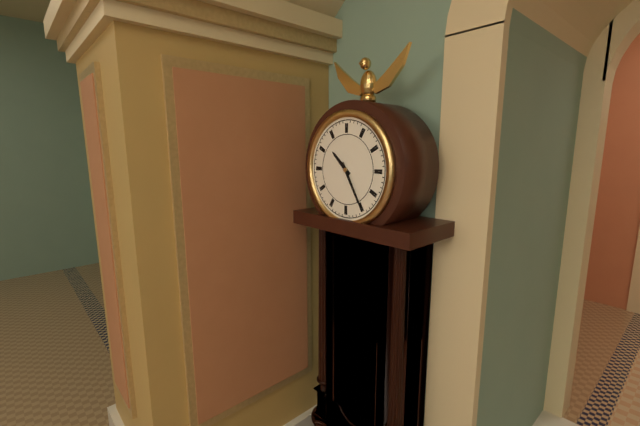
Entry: 10:25
